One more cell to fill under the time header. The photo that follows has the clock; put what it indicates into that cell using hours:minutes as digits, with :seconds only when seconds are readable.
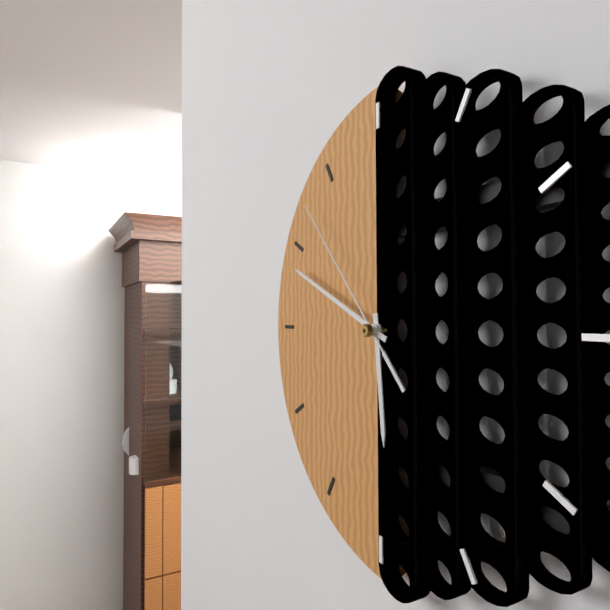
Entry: 5:49:53
